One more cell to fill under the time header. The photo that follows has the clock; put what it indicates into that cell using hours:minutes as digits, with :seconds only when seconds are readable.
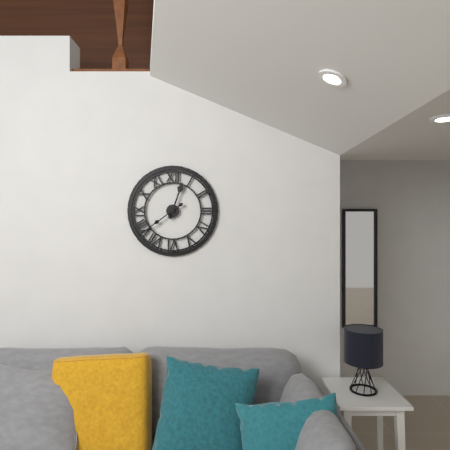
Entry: 12:39
